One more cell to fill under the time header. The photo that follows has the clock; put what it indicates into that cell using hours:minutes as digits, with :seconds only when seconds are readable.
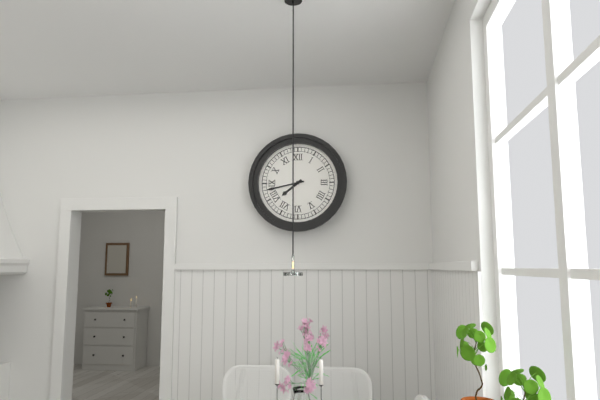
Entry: 7:43
